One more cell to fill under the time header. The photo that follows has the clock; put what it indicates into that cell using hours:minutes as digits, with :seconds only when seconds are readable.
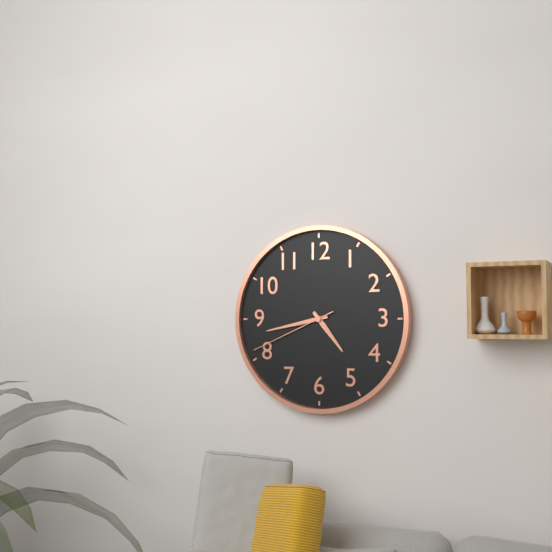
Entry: 4:43:41
